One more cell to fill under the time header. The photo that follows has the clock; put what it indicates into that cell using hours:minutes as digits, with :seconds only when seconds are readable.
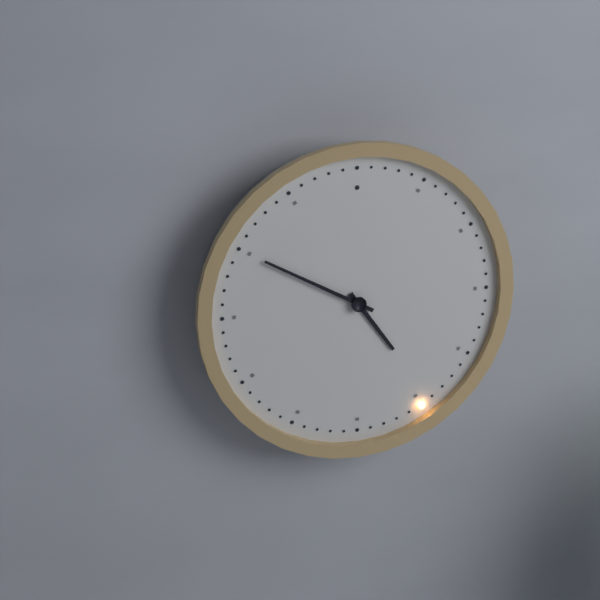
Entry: 4:50
